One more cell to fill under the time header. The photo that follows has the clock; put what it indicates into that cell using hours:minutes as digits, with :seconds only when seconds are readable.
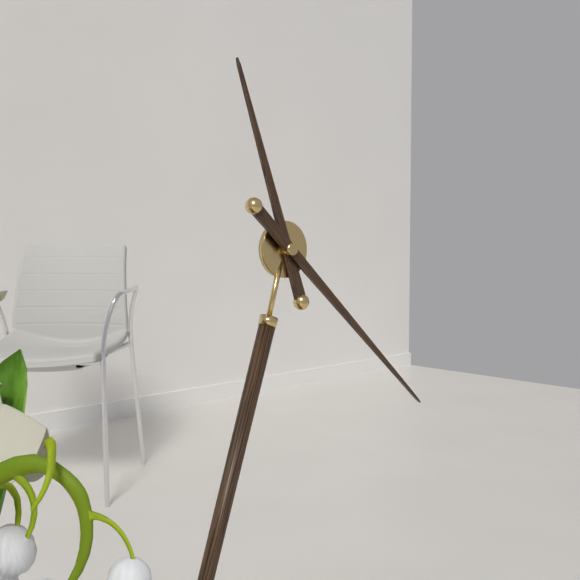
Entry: 11:22
